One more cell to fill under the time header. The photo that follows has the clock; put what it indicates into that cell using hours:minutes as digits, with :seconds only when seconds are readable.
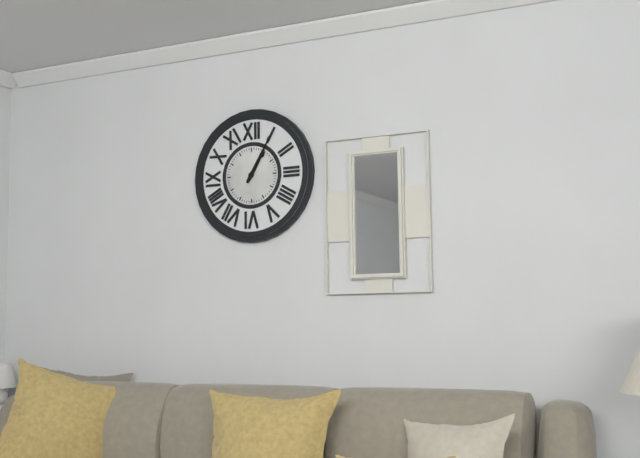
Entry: 1:05
